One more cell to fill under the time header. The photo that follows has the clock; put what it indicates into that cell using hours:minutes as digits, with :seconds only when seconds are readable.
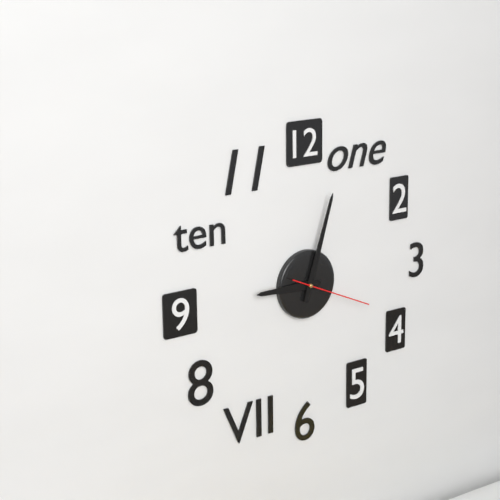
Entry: 9:03:19
